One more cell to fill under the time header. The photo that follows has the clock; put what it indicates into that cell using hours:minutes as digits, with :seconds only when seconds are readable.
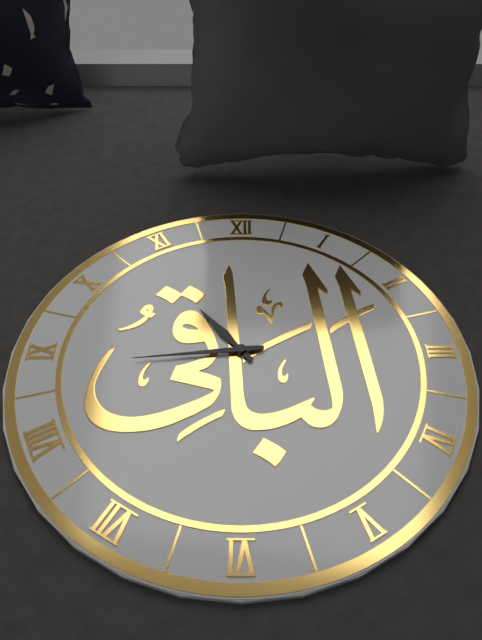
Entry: 10:44
